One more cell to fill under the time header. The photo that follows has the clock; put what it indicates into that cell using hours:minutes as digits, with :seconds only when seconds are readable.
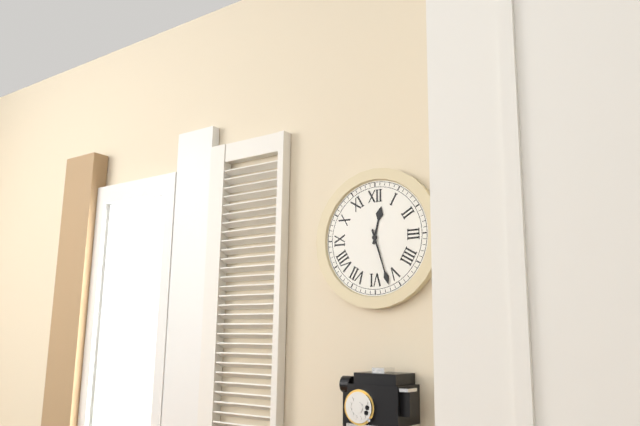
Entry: 12:27
